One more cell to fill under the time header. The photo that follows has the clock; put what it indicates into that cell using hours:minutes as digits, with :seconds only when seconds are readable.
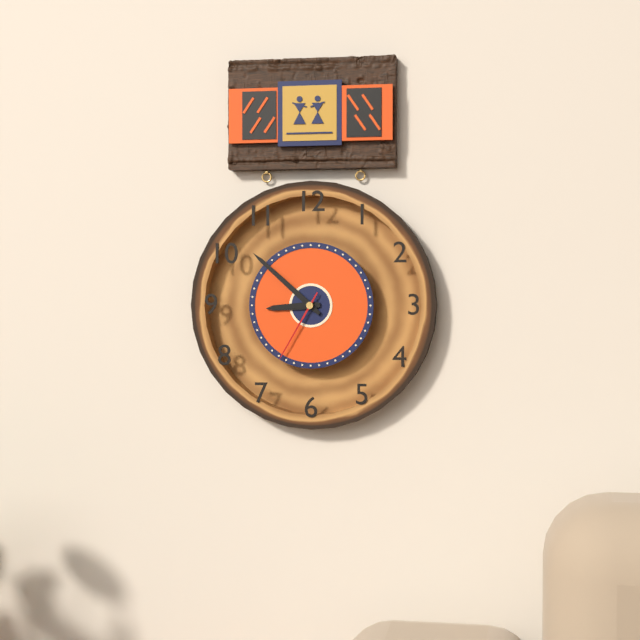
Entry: 8:52:35
